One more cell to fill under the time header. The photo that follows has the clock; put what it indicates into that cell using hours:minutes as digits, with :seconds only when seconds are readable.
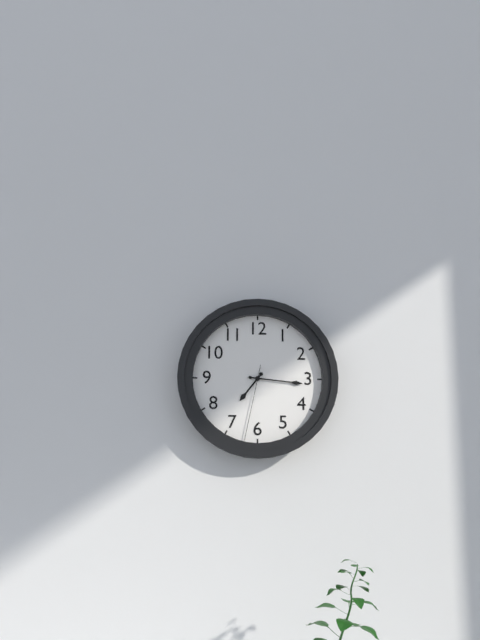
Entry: 7:16:32
